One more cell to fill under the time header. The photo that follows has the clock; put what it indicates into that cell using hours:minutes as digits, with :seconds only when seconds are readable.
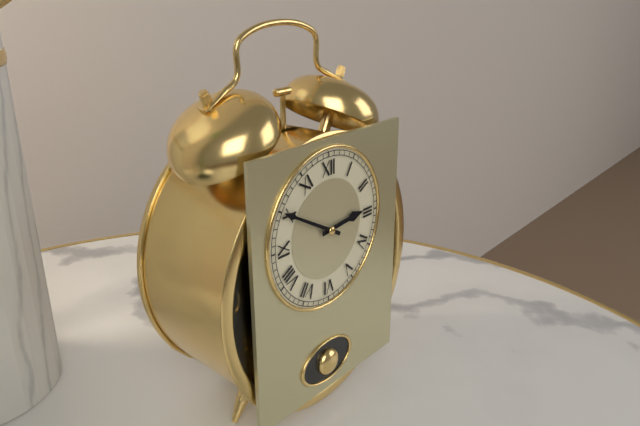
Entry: 2:50
